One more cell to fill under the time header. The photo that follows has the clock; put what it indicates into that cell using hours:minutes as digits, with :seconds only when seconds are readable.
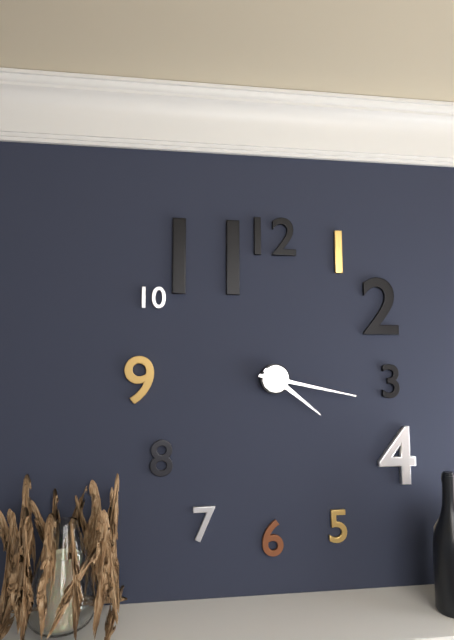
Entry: 4:17
